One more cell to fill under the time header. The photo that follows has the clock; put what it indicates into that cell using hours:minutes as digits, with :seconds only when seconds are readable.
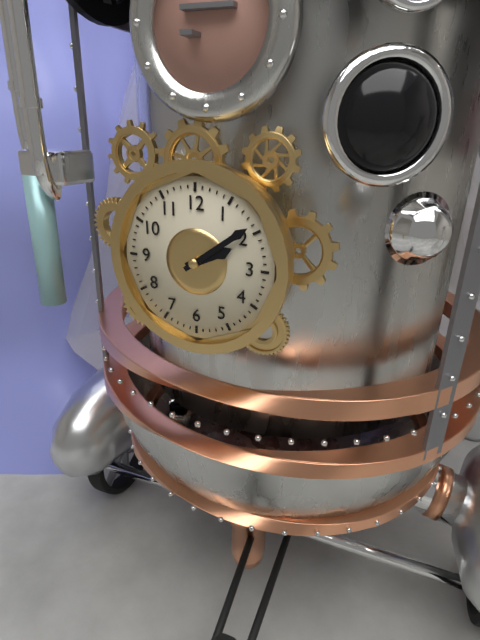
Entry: 2:09
